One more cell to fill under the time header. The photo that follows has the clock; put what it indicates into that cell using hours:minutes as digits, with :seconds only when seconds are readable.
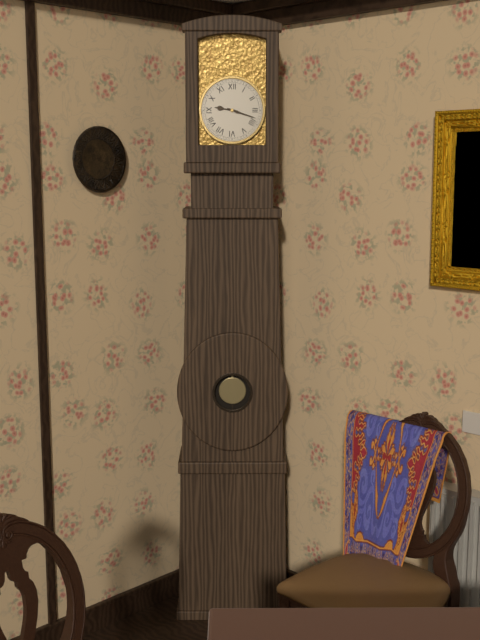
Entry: 9:18
